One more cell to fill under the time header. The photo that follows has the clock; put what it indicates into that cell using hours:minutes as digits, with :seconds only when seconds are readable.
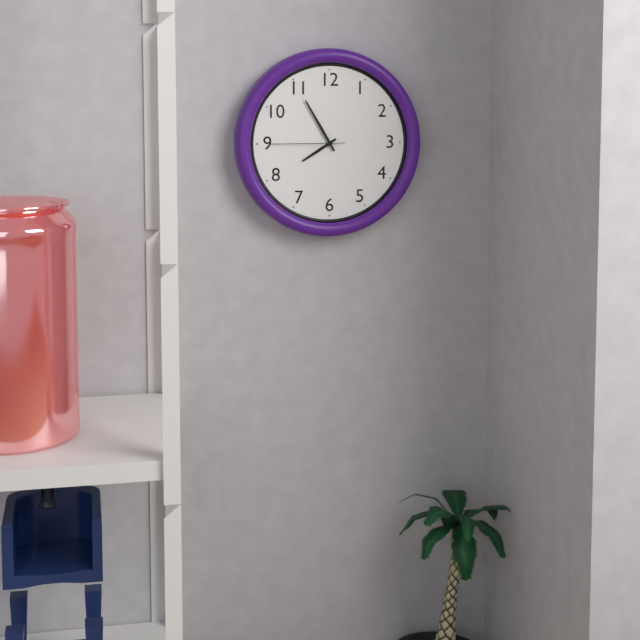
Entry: 7:55:45
